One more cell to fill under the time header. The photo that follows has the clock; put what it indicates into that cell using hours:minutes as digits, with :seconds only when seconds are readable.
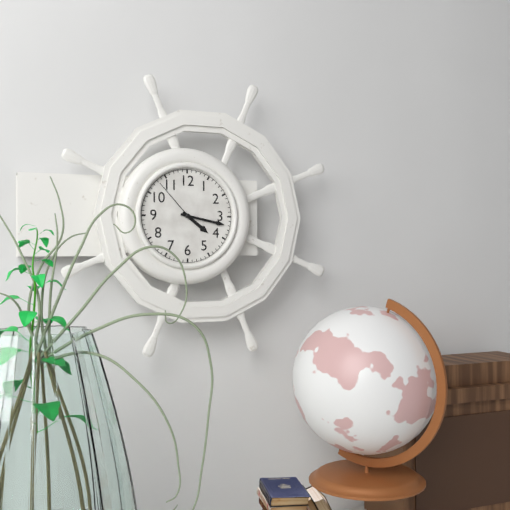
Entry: 4:17:53
